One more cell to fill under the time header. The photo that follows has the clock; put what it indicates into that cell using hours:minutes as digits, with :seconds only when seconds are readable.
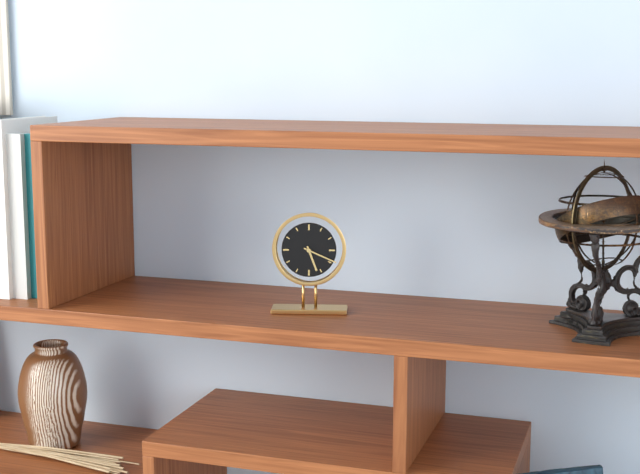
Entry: 5:19
